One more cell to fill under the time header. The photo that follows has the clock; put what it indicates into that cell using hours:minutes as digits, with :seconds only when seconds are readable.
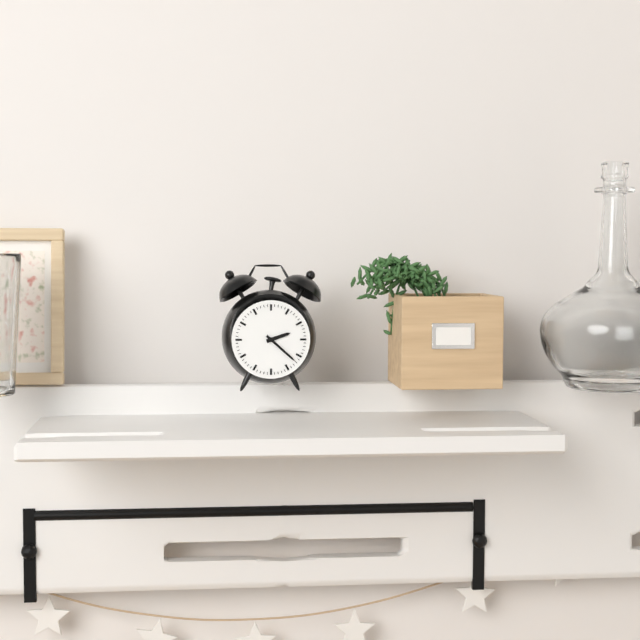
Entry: 2:22
